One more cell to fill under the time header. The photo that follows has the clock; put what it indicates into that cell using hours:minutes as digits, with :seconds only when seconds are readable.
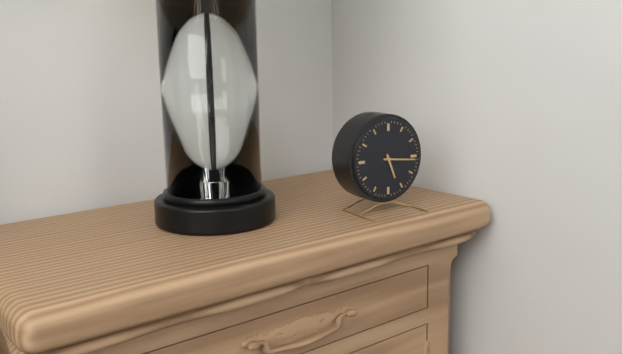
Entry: 5:16
